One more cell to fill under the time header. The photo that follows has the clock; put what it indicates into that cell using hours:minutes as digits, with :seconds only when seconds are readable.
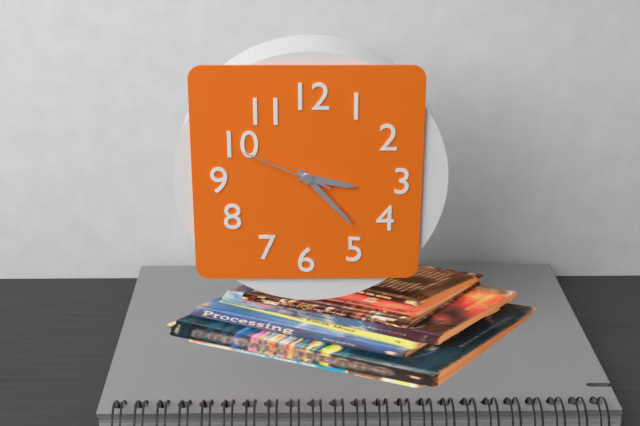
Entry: 3:23:49
